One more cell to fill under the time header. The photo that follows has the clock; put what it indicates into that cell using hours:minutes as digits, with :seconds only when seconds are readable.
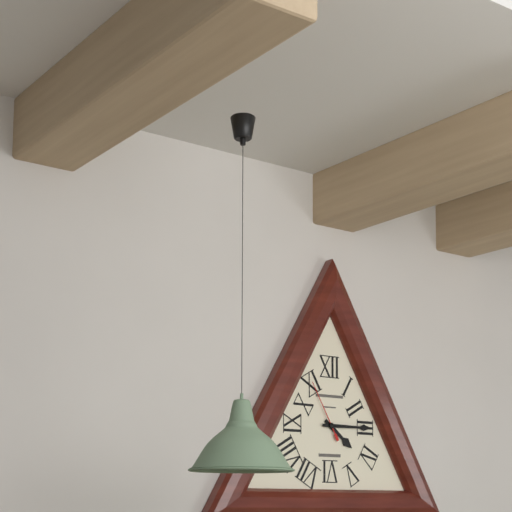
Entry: 4:15:55
